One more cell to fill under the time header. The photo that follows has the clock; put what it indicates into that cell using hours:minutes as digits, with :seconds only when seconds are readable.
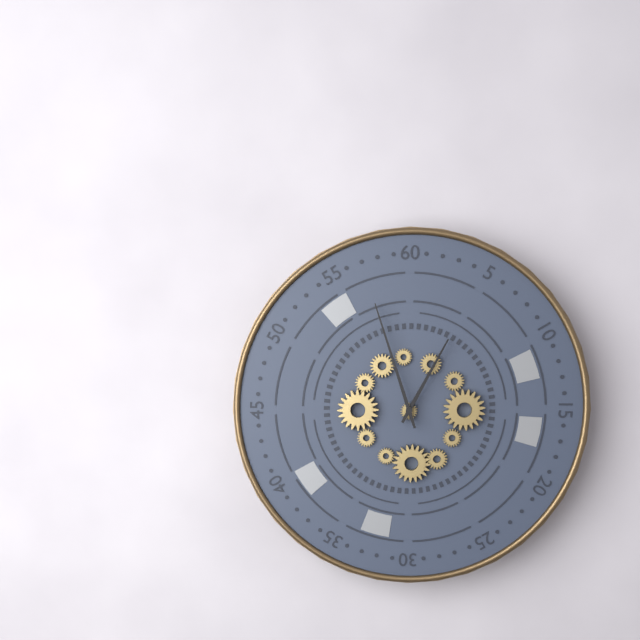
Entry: 12:57
